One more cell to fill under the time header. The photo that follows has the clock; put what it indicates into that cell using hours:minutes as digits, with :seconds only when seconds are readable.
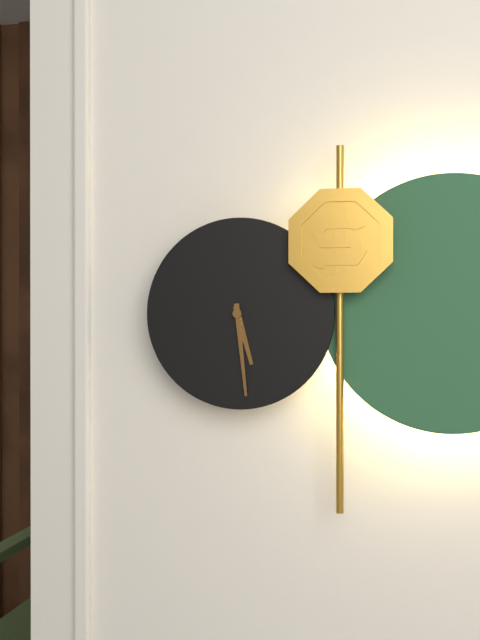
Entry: 5:29
